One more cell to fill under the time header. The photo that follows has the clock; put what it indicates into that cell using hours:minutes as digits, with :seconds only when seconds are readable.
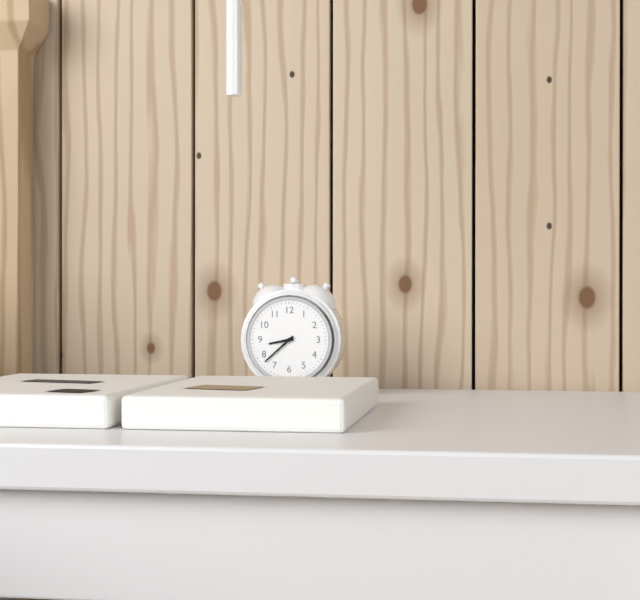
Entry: 8:38
